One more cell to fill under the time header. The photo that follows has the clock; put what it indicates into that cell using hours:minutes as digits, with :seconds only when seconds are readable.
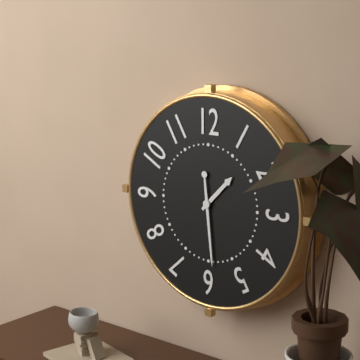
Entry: 1:29
